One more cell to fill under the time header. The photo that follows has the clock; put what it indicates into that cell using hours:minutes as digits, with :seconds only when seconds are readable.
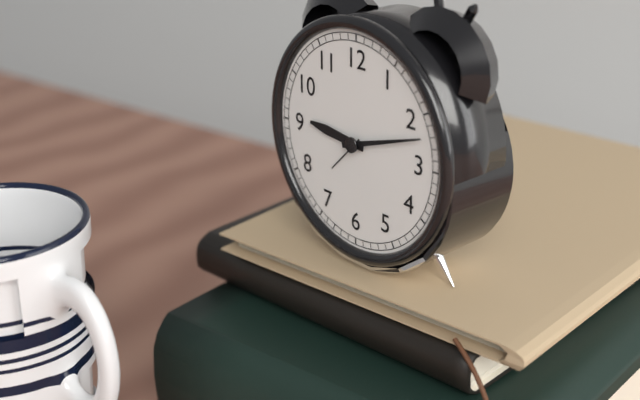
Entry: 9:12
